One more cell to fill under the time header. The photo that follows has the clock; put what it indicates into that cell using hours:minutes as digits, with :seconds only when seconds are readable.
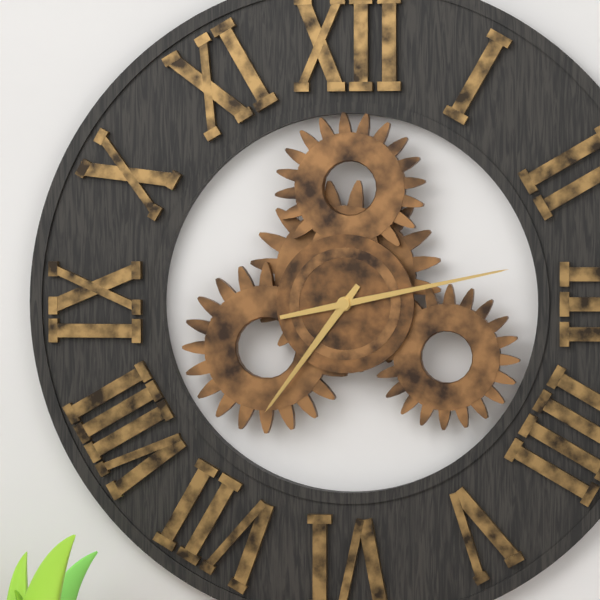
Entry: 7:13
